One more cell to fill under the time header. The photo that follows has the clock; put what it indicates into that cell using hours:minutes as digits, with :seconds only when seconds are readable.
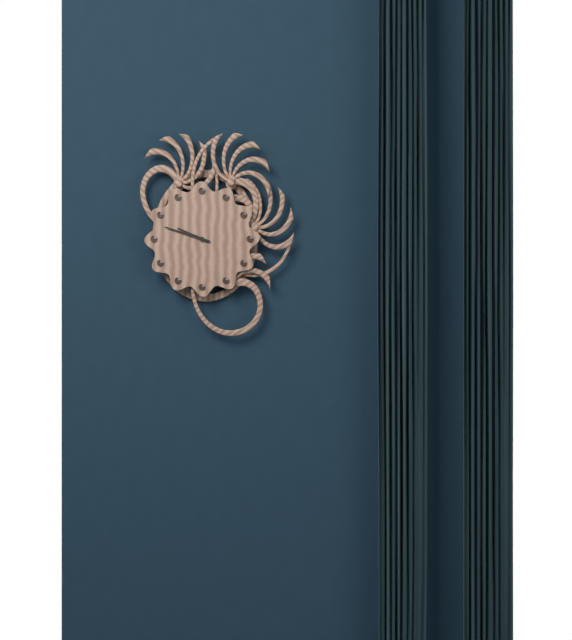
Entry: 9:48
